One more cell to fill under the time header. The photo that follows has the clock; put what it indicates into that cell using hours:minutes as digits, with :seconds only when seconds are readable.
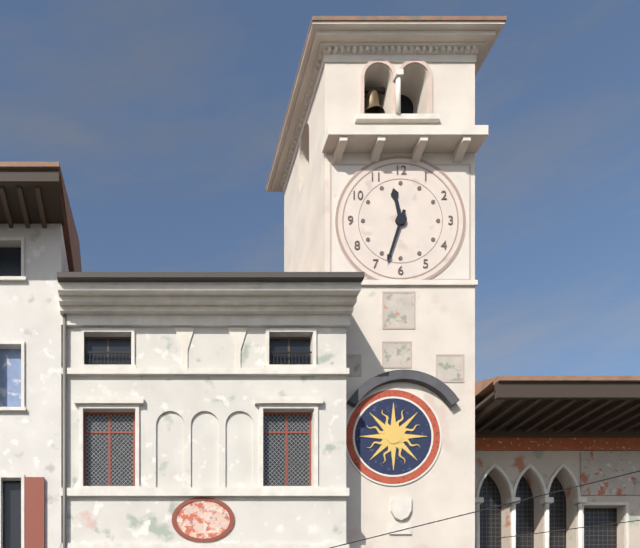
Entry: 11:33
